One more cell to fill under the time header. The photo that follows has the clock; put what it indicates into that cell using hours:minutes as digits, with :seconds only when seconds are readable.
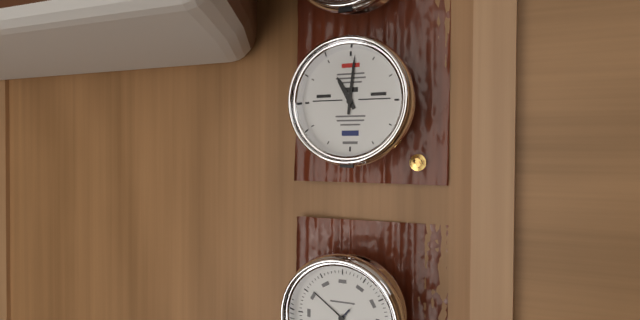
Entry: 11:01
